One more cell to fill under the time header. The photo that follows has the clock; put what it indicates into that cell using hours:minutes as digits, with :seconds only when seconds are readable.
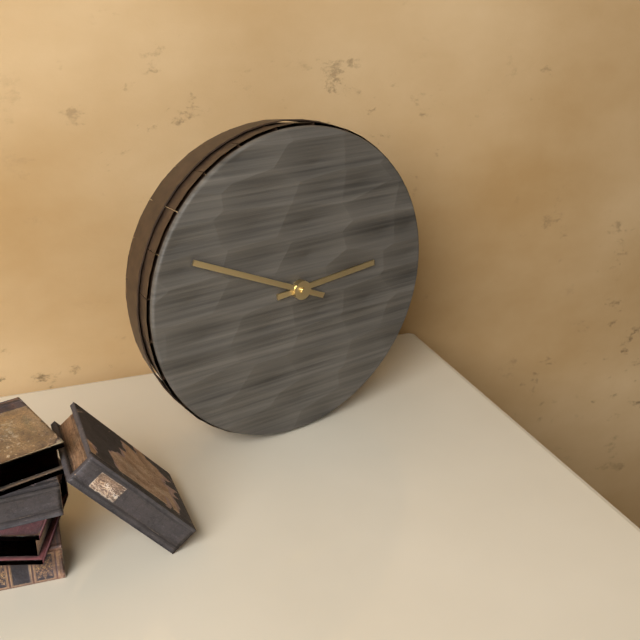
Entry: 2:49
